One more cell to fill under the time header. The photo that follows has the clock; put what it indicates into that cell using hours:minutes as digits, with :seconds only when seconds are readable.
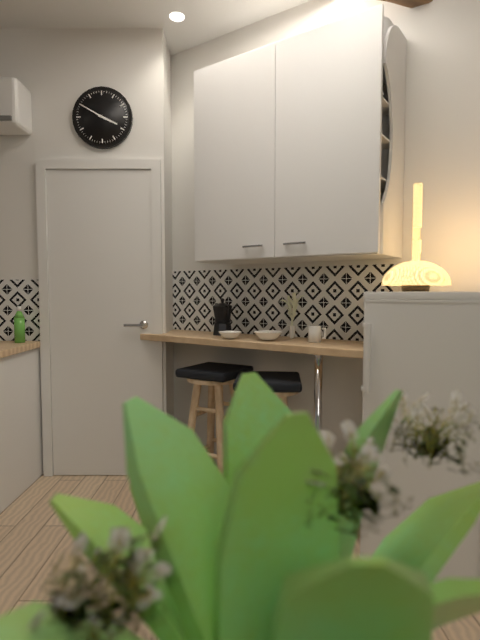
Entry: 3:50
